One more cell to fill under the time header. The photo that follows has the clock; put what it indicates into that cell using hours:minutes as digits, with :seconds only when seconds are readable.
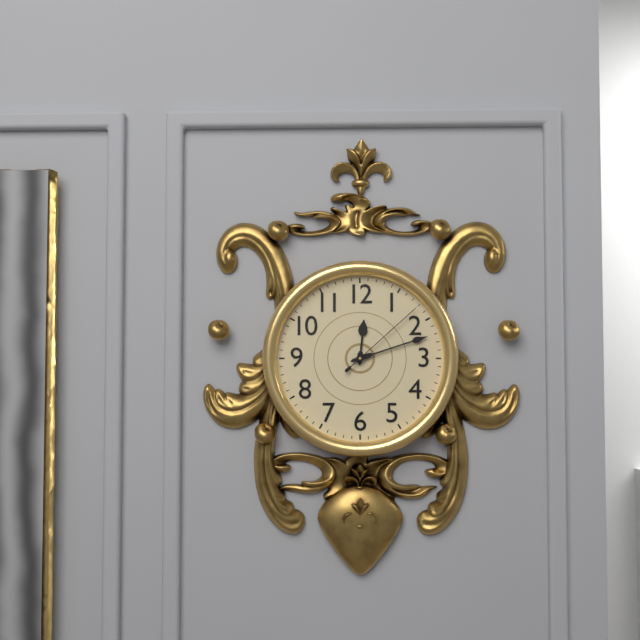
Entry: 12:12:08
